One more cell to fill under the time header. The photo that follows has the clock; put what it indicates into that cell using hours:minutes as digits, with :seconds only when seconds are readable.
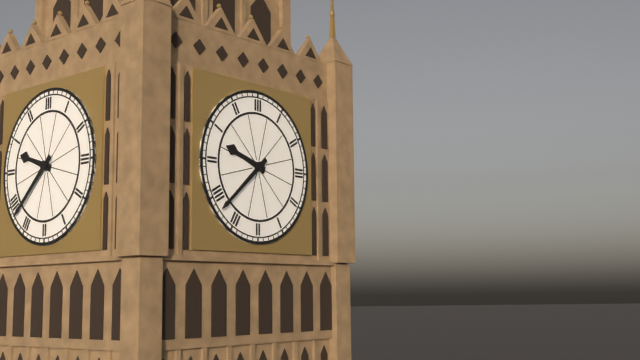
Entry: 9:38
